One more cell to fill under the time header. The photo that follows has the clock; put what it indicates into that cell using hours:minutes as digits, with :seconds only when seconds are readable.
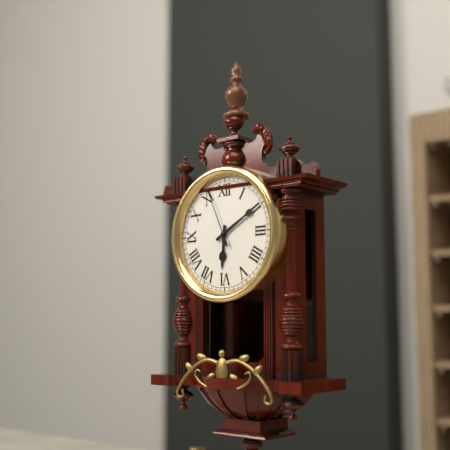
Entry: 6:10:56
